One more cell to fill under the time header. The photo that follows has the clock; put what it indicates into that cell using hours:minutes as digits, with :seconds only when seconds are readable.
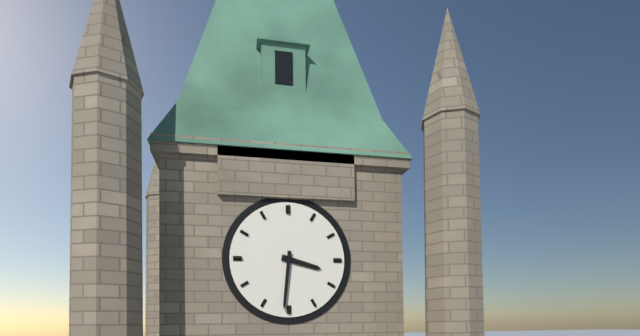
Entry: 3:31
